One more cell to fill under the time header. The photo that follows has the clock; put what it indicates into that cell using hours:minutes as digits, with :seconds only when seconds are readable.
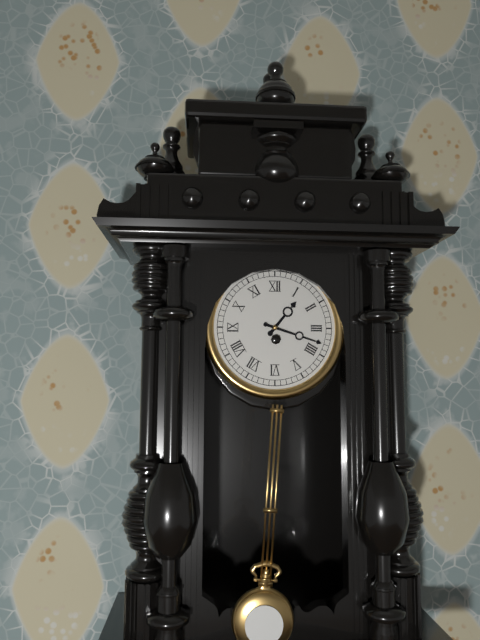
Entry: 1:18
